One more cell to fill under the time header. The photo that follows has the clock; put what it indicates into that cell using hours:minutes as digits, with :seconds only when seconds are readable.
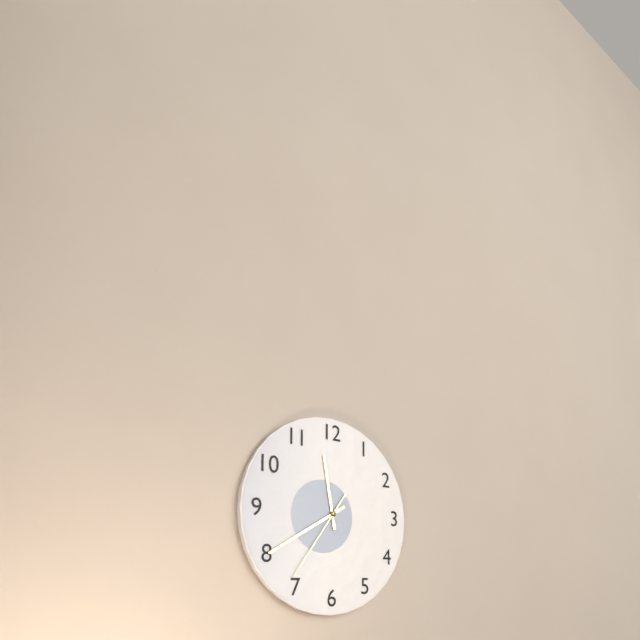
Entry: 11:40:36
